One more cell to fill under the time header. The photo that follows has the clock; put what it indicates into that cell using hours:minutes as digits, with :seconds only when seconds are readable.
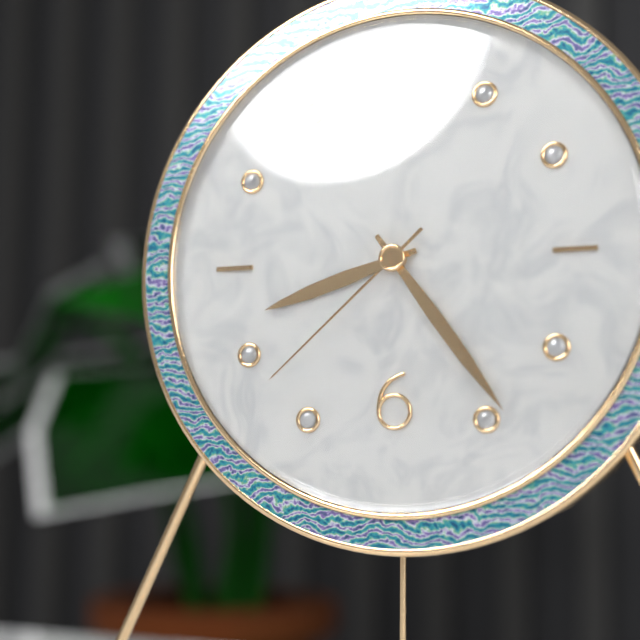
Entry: 8:24:38
